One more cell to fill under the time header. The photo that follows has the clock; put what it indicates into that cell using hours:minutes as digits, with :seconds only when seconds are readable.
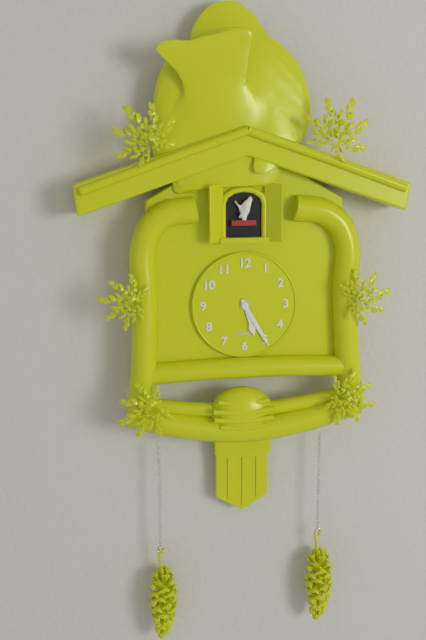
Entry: 5:25
